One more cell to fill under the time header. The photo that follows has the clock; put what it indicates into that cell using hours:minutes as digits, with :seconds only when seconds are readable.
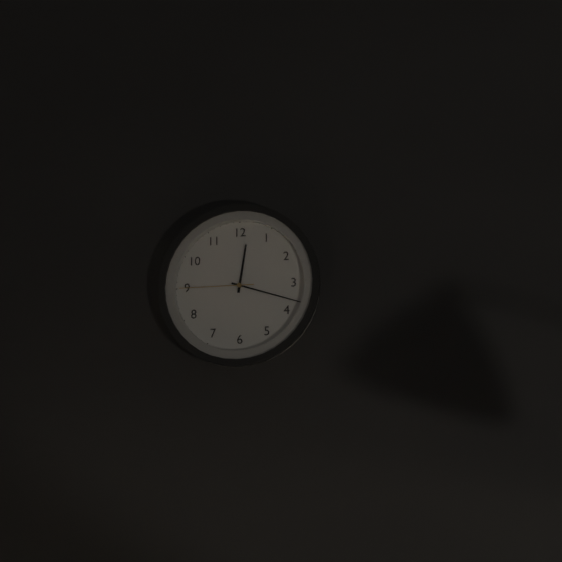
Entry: 12:18:45
